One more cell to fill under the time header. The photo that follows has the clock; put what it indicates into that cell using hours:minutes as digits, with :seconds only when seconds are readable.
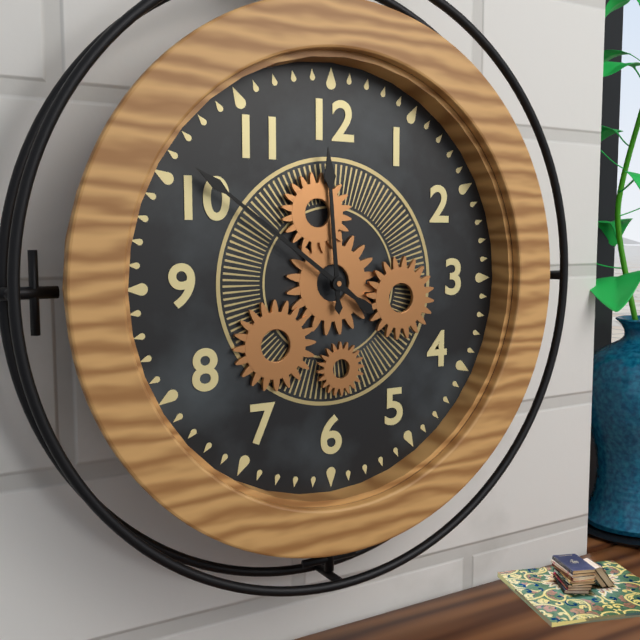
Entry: 11:51
